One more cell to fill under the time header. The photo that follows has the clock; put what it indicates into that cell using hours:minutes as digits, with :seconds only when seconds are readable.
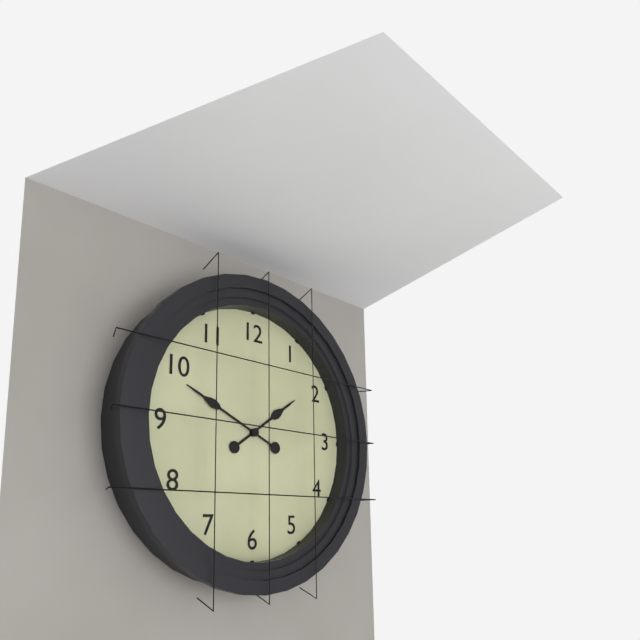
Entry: 1:49
